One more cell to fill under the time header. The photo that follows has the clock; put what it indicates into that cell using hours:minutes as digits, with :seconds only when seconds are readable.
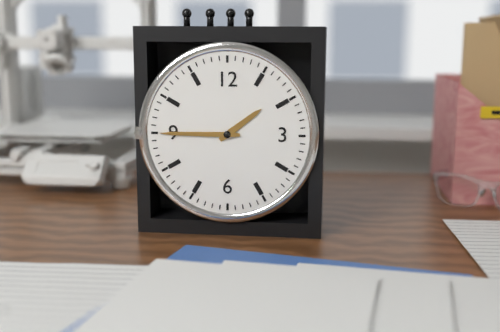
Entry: 1:45
